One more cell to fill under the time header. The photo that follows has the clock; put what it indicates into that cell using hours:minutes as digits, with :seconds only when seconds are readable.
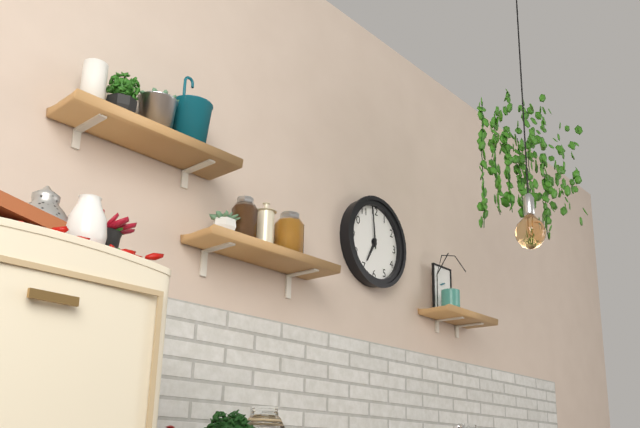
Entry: 6:59
